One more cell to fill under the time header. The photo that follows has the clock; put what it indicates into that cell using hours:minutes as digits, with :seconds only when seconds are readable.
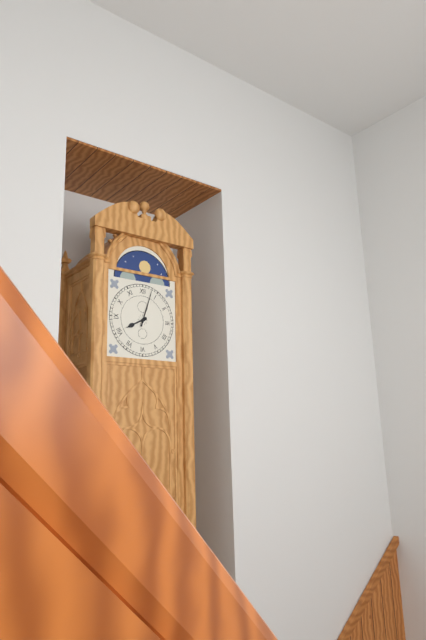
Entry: 8:03
